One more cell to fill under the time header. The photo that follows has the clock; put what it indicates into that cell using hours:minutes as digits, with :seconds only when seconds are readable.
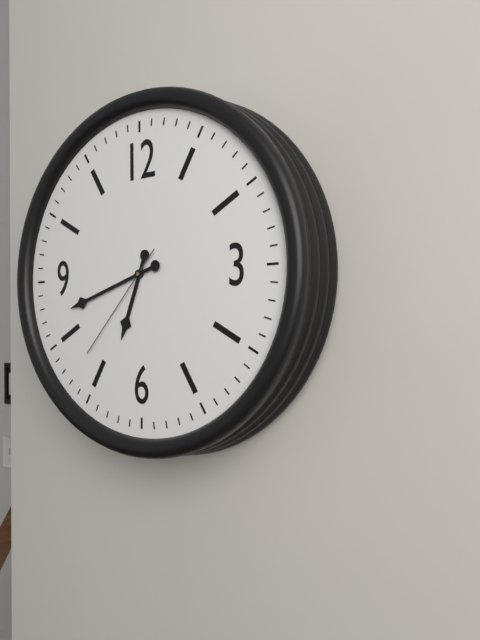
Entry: 6:42:37
